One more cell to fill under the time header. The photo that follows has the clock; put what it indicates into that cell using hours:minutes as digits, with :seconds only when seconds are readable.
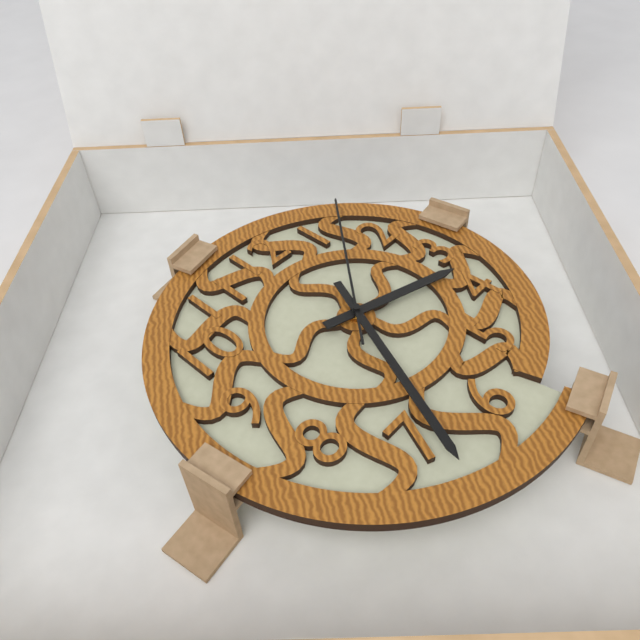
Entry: 3:34:07
